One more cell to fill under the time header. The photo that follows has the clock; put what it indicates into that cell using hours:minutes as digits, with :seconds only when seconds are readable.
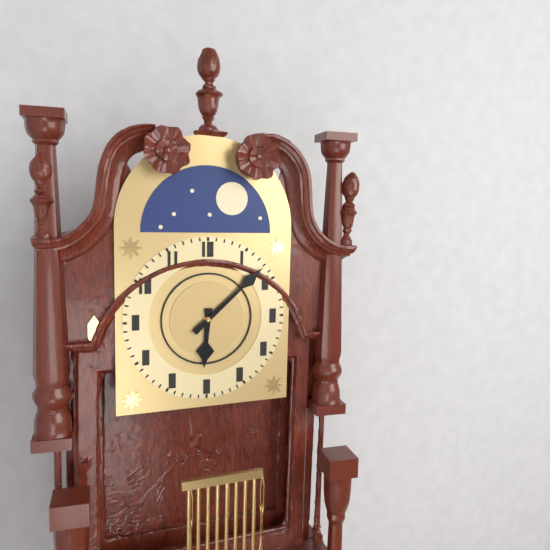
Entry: 6:08
